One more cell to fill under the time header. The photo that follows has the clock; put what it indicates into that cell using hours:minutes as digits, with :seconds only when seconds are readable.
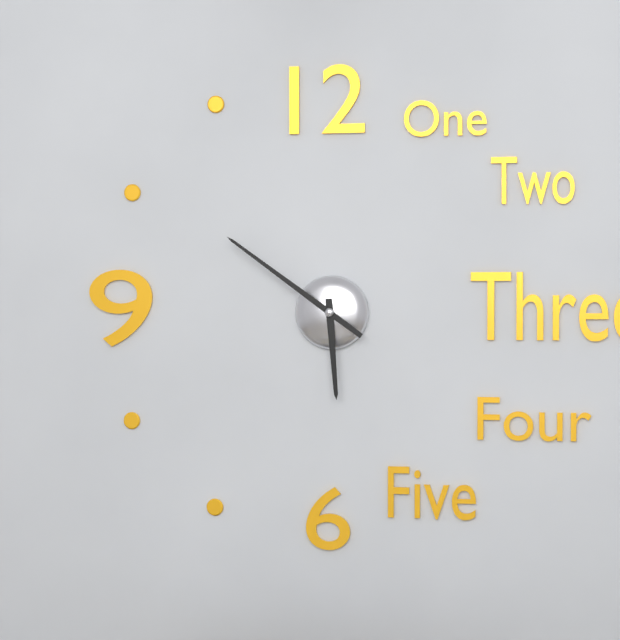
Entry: 5:51
